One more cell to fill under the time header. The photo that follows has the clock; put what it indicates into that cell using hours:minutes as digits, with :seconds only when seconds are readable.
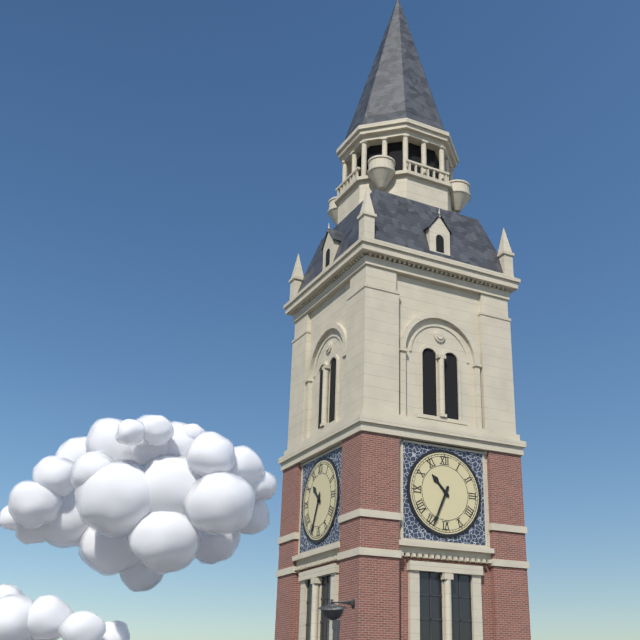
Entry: 10:34
